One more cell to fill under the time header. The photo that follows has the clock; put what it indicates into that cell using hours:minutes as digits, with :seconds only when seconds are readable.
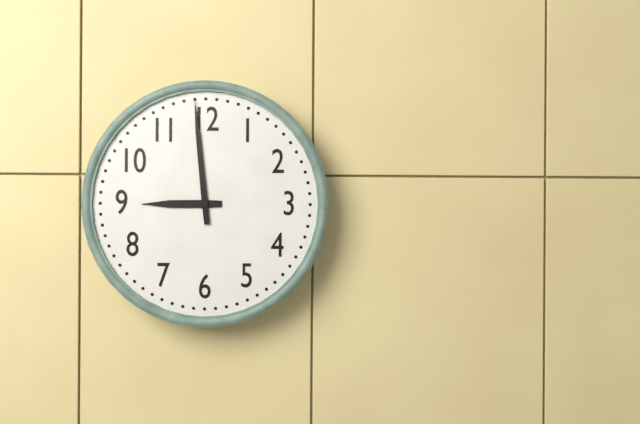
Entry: 8:59
